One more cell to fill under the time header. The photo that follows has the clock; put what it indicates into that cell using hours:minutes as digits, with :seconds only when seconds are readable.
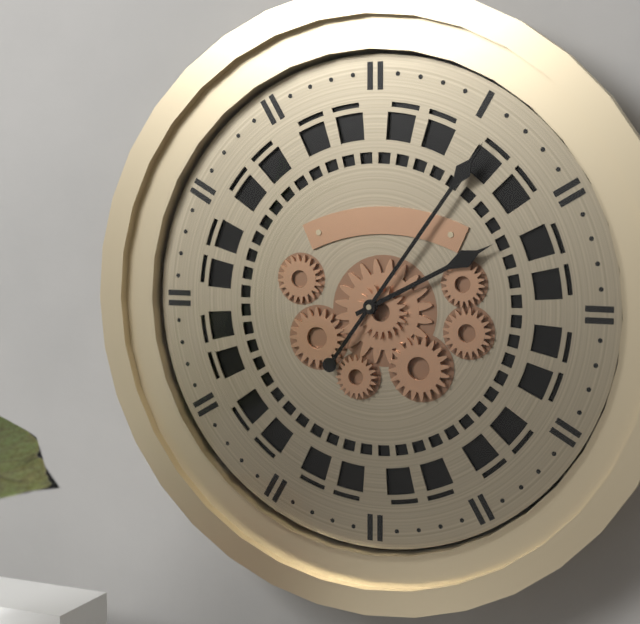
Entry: 2:06
